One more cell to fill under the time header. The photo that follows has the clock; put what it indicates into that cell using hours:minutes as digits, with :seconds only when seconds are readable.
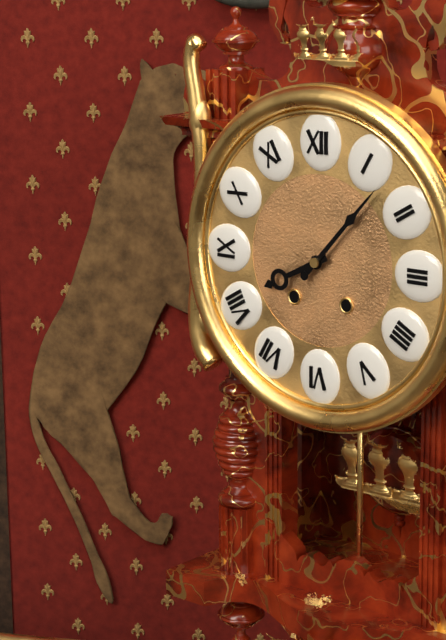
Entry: 8:07
